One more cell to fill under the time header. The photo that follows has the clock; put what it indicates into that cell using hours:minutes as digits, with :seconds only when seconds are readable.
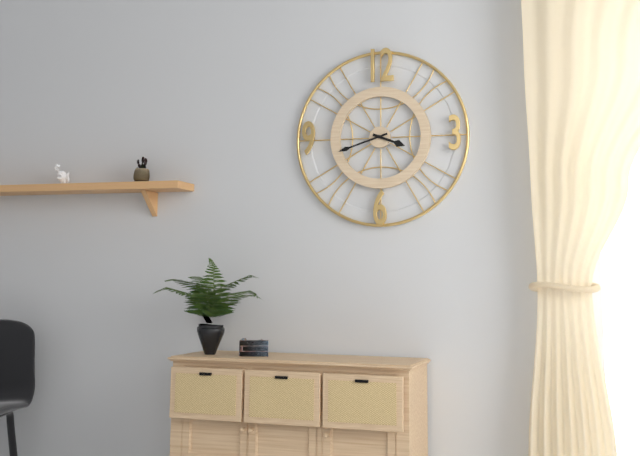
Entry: 3:42
